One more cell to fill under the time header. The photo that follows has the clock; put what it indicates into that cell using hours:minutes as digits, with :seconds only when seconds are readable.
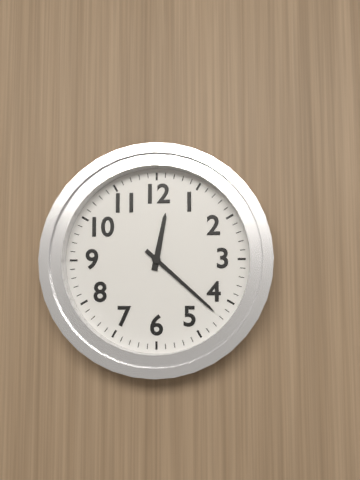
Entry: 12:22
